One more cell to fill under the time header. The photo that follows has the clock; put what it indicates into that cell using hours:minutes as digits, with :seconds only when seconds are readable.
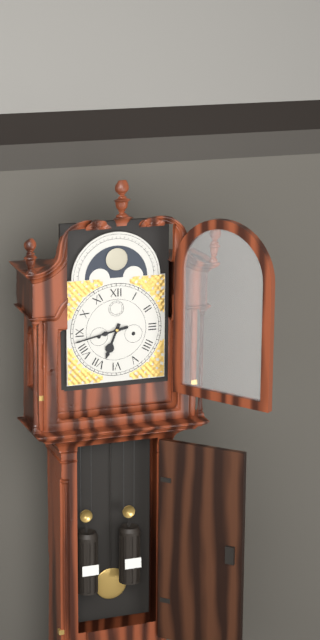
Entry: 6:43
